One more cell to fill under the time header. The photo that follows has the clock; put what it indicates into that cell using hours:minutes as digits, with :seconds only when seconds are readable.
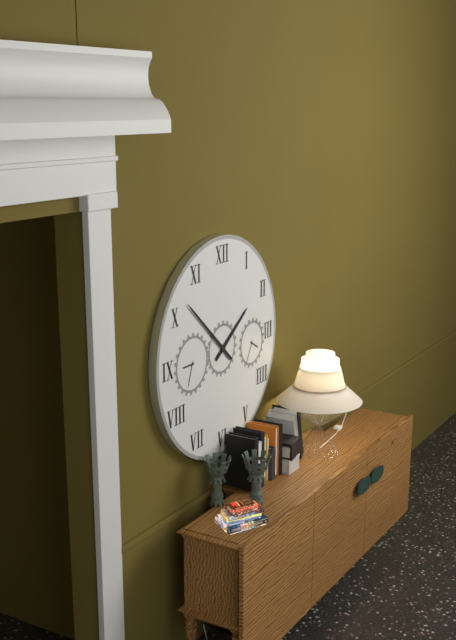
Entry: 1:52
